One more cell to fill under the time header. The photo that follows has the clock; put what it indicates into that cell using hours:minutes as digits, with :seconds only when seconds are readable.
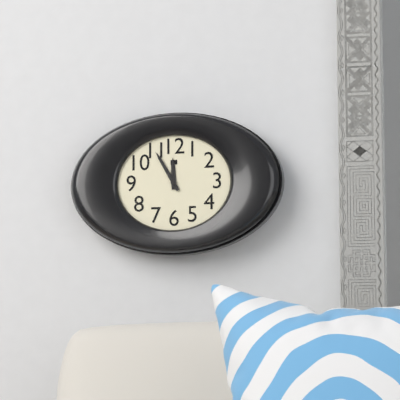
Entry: 11:55
